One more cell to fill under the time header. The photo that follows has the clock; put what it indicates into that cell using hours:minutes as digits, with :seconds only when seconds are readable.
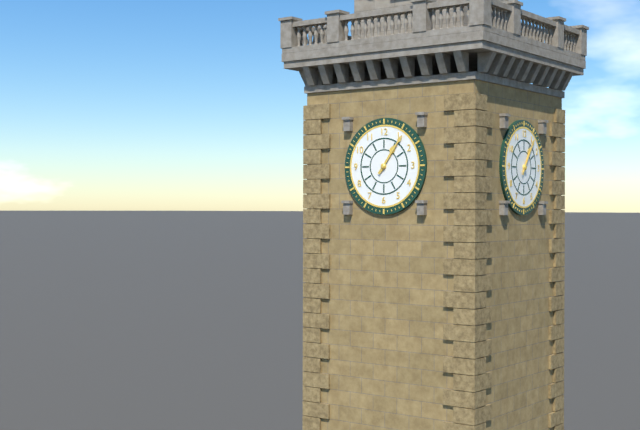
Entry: 1:06
